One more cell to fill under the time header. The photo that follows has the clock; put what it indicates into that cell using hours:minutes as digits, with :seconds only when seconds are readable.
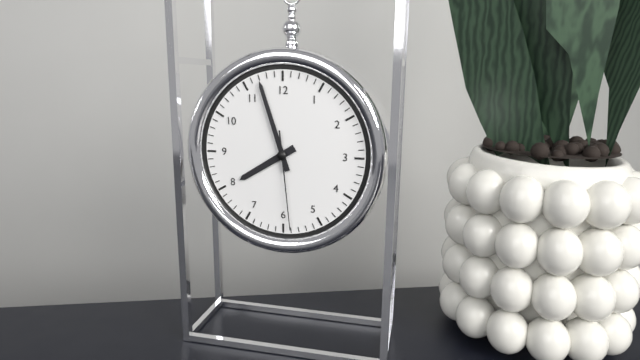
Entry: 7:57:29
